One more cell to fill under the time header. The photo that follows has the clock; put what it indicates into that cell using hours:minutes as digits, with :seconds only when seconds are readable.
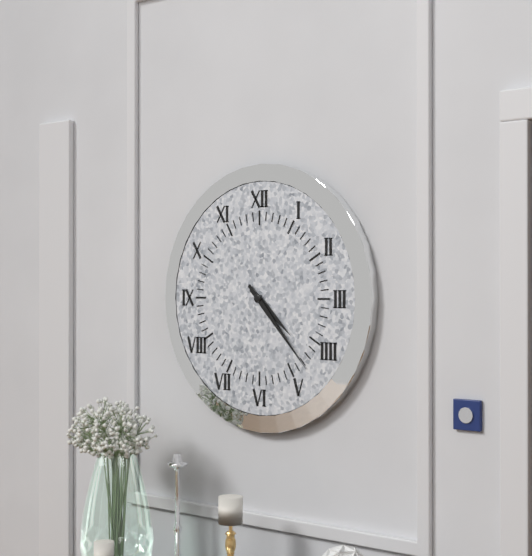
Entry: 4:23
